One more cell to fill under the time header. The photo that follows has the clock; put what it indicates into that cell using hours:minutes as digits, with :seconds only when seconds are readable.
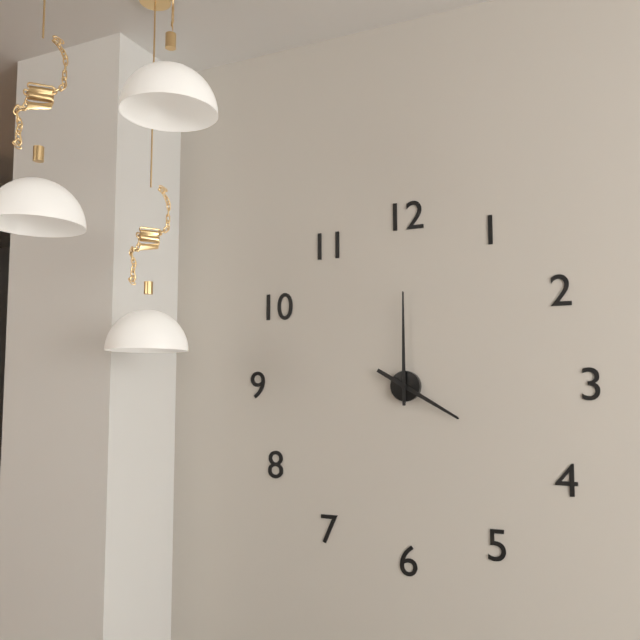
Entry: 4:00
